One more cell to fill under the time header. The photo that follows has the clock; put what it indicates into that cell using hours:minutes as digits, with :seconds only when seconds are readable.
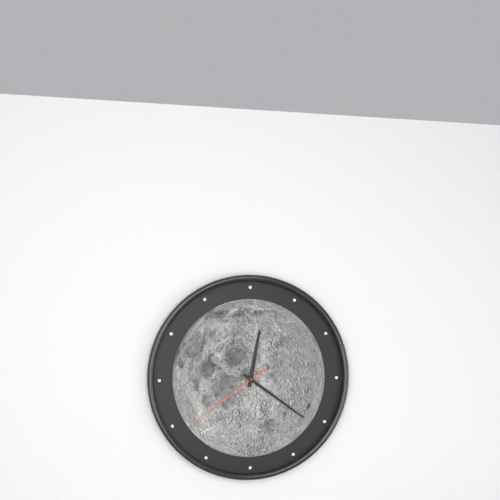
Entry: 12:21:39
